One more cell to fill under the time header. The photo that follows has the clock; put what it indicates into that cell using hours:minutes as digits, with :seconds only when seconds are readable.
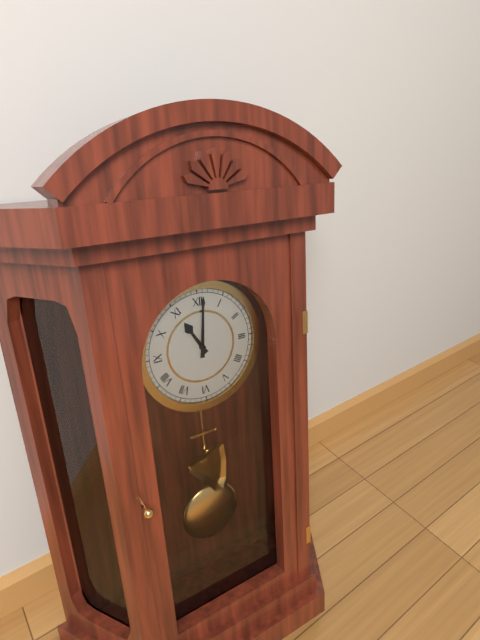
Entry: 11:01
